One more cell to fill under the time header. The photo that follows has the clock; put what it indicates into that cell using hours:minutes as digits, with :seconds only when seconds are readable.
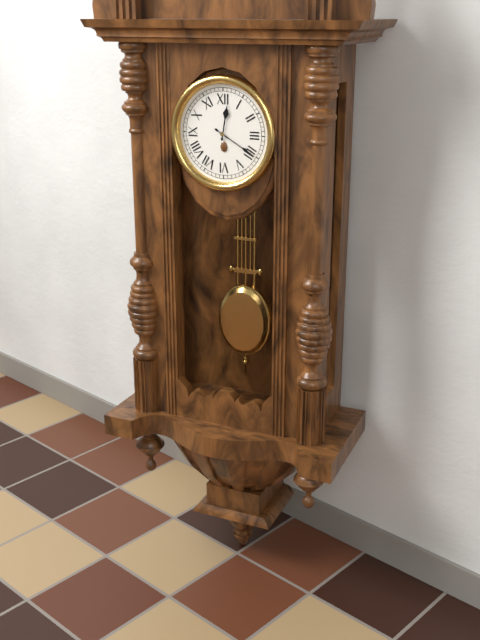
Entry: 12:20
